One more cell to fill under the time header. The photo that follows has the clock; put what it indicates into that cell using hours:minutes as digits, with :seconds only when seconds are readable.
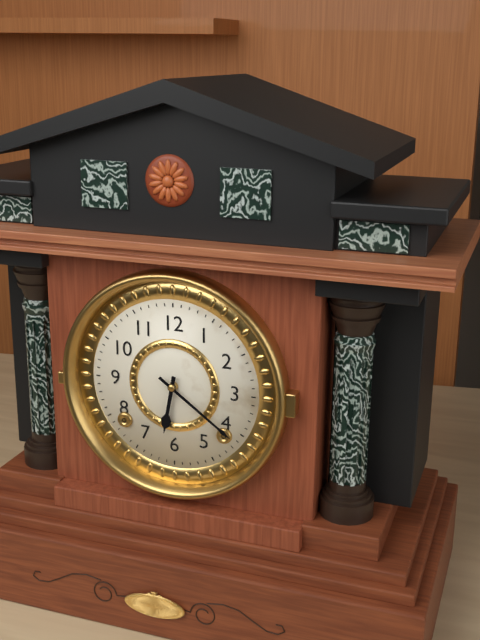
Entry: 6:21
